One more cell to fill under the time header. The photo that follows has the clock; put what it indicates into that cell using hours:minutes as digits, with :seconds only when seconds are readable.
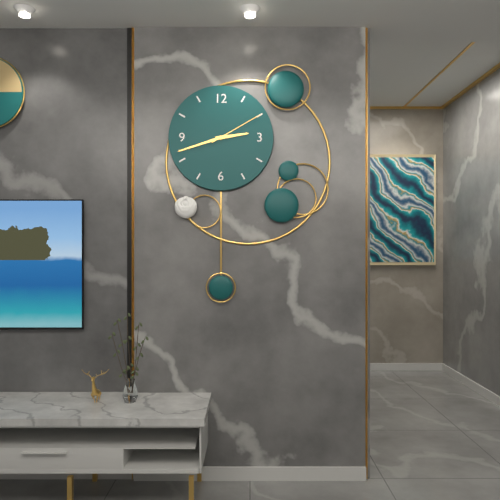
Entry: 2:42:10
